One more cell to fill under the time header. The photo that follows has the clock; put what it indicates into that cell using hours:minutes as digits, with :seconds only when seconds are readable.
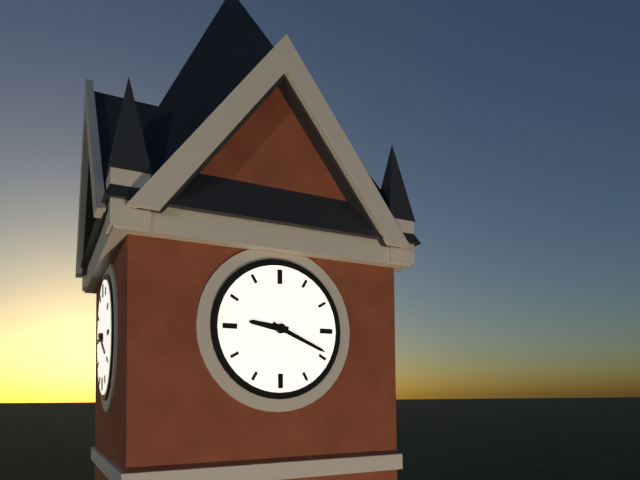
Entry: 9:19
